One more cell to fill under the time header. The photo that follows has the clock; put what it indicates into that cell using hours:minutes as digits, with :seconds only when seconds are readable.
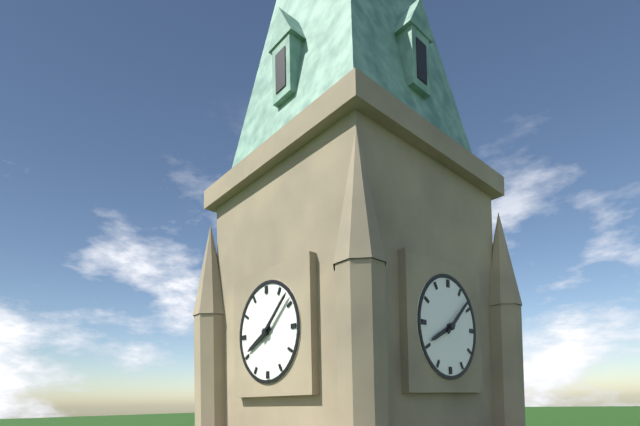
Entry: 8:08
